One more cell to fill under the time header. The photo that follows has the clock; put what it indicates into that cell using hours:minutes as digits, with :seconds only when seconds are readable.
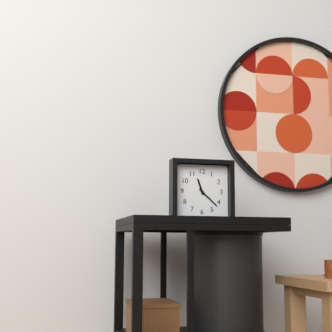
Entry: 11:22
